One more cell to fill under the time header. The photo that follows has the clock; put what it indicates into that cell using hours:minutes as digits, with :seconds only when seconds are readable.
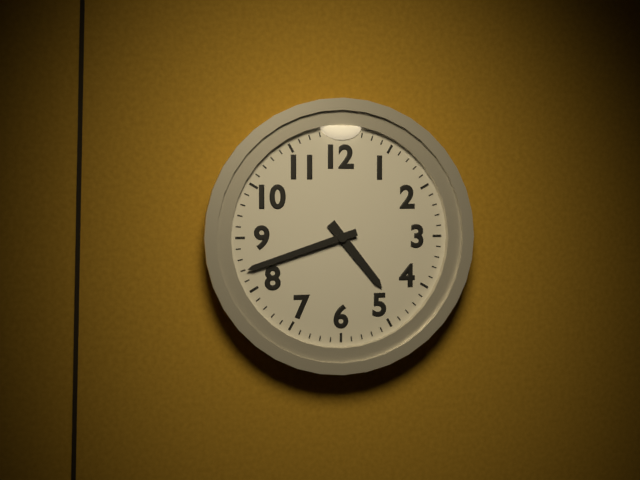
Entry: 4:42
